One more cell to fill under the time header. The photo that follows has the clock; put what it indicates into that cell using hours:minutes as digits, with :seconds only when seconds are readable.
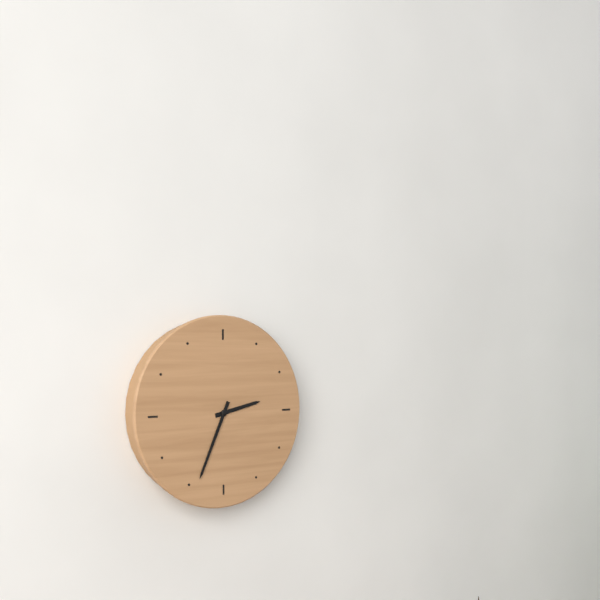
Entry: 2:34
